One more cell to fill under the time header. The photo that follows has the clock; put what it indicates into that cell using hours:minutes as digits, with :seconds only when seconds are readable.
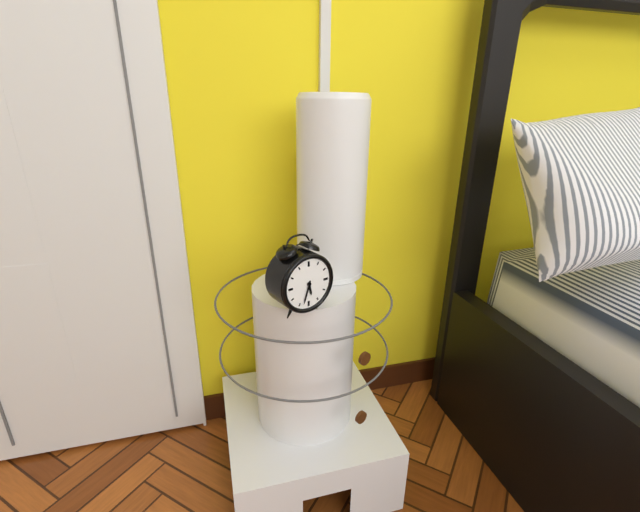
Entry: 5:33
